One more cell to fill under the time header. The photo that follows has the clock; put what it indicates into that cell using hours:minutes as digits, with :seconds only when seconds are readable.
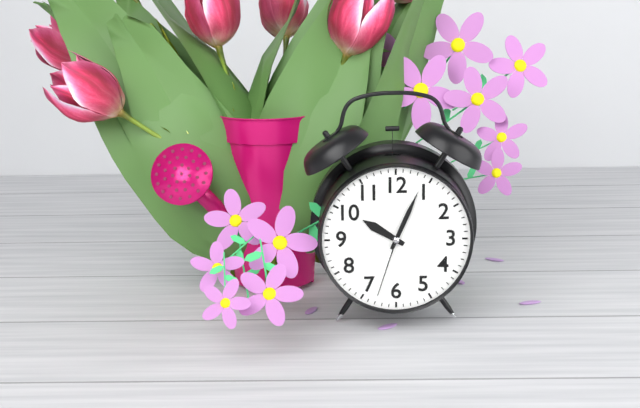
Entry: 10:04:33
